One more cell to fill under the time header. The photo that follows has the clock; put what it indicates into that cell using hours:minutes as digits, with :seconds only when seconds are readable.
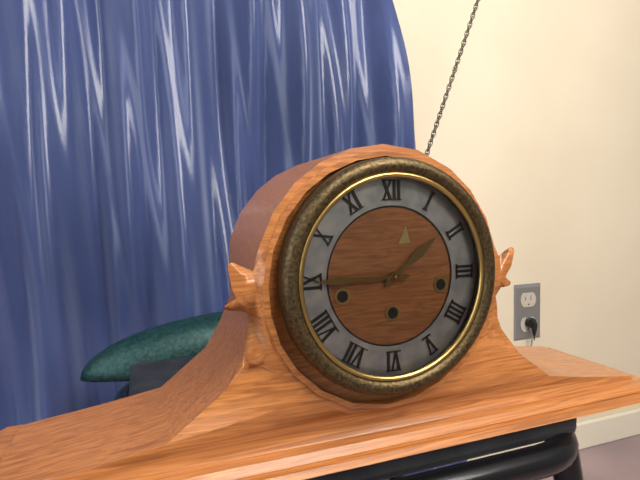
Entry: 1:45
